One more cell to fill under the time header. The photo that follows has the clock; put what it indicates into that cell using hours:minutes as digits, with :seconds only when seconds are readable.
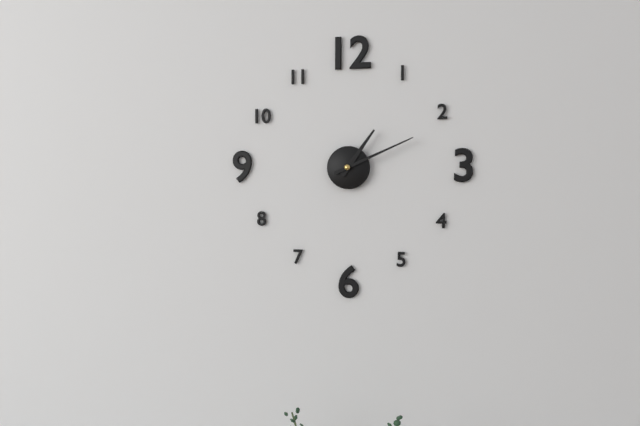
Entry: 1:11
